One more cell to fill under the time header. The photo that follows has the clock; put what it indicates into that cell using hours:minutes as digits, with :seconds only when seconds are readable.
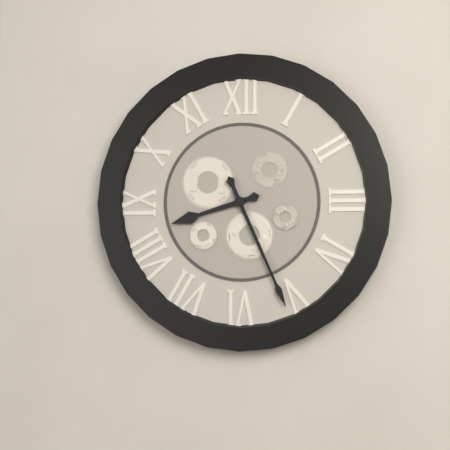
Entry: 8:26
